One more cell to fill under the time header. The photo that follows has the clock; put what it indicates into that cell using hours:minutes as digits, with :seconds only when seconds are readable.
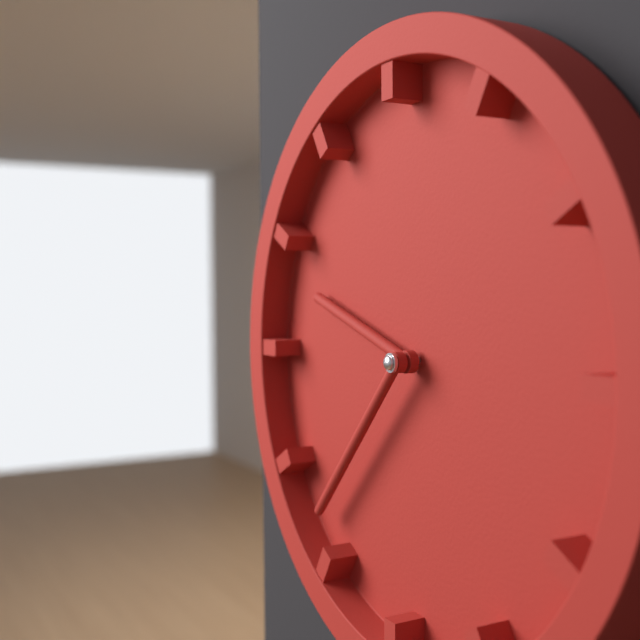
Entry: 9:37
